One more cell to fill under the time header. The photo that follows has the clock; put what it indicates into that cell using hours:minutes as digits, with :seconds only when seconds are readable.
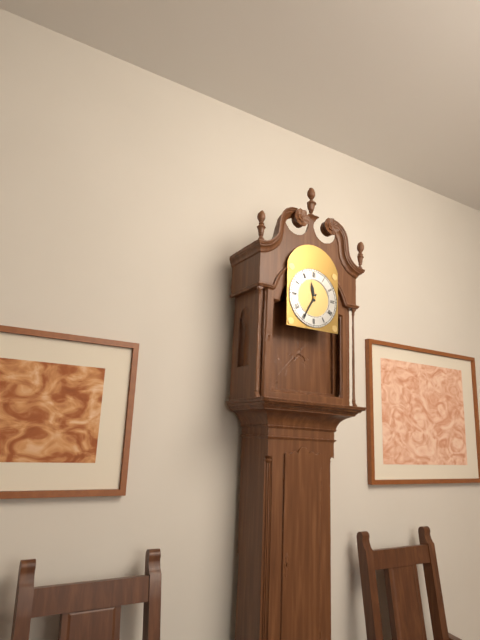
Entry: 11:35
